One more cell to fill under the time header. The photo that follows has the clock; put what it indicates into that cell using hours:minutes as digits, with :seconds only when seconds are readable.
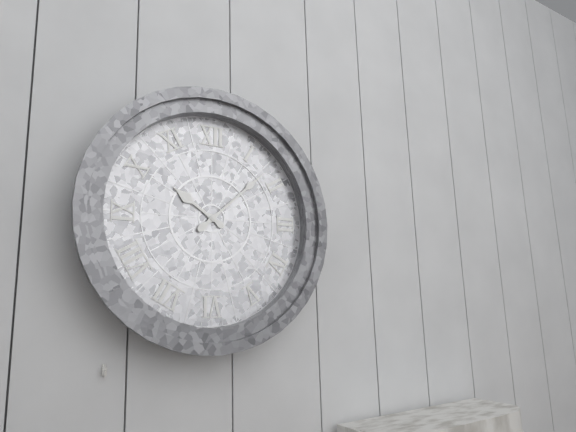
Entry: 10:08
